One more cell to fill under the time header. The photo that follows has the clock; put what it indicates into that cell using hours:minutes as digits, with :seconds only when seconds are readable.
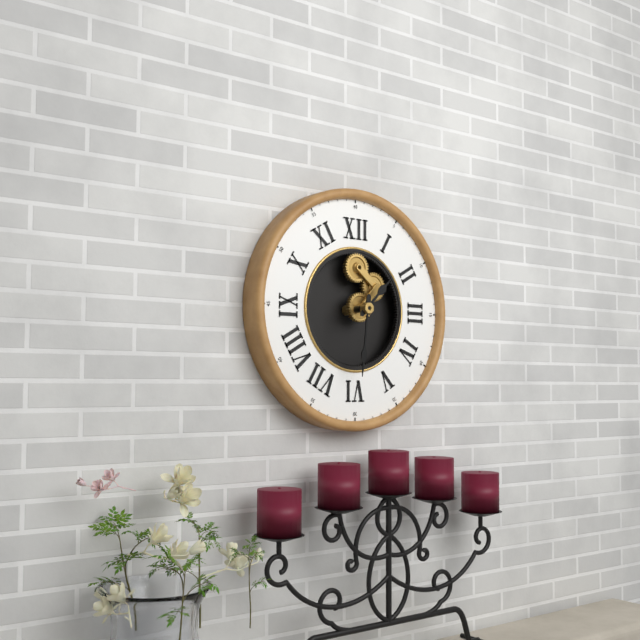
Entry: 1:31
